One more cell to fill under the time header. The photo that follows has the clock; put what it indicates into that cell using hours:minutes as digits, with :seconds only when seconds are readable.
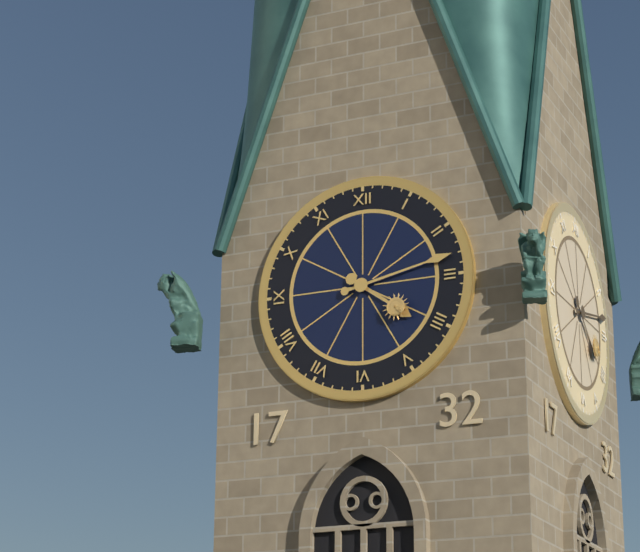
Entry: 4:13
